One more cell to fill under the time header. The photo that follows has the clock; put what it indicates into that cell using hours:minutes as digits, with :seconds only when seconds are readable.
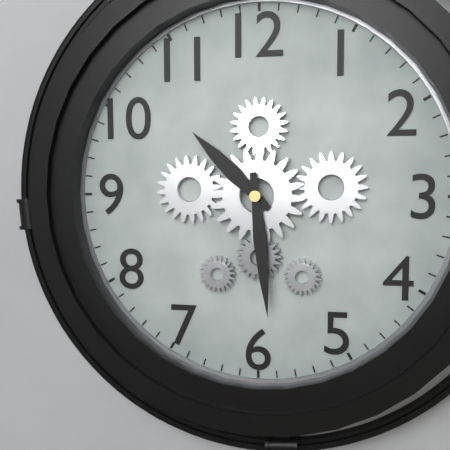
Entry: 10:29
